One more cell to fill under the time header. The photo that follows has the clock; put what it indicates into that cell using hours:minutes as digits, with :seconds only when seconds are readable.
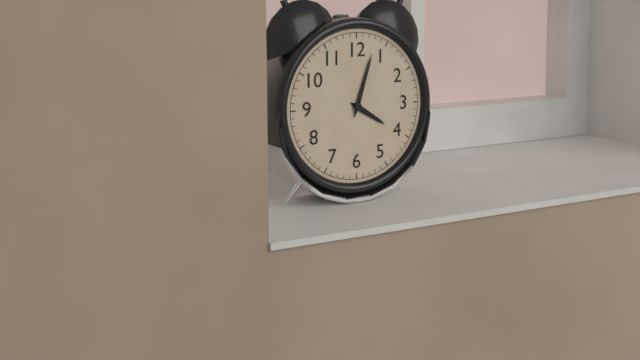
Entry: 4:03
